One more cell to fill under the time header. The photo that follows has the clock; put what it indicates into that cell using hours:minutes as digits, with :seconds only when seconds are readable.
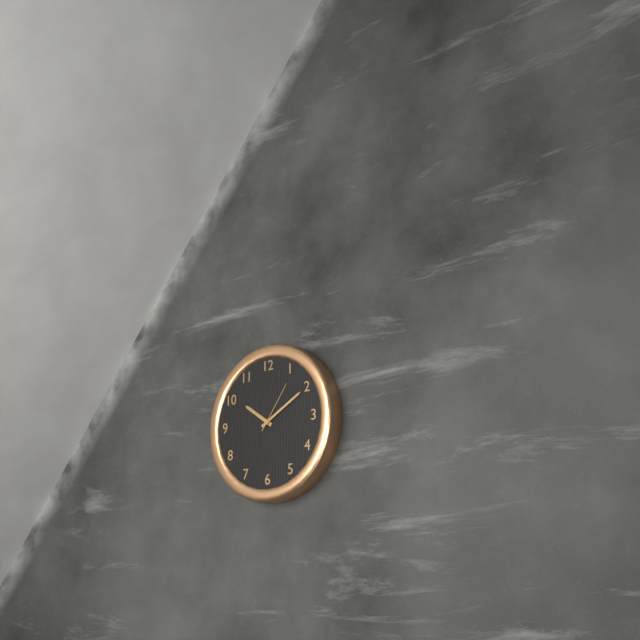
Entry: 10:10:06
